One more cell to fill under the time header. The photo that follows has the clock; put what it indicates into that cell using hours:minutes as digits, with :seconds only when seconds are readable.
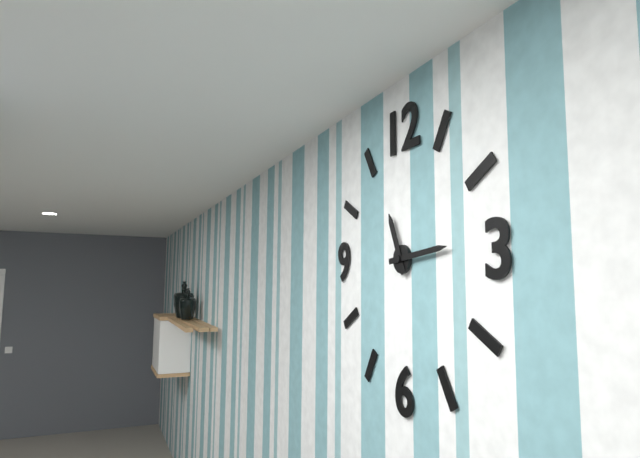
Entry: 11:14
